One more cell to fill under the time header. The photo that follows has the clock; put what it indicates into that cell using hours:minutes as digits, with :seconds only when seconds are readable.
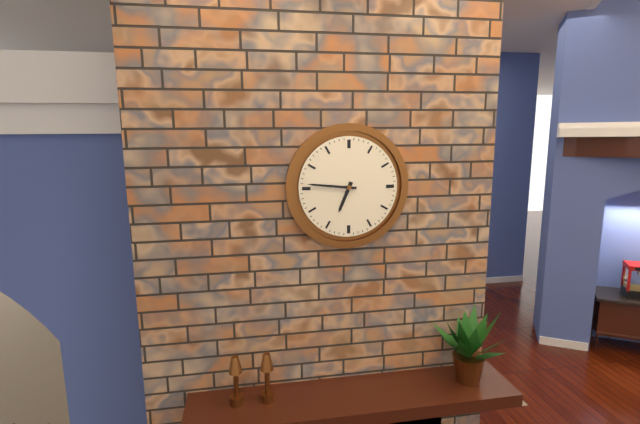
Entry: 6:46
